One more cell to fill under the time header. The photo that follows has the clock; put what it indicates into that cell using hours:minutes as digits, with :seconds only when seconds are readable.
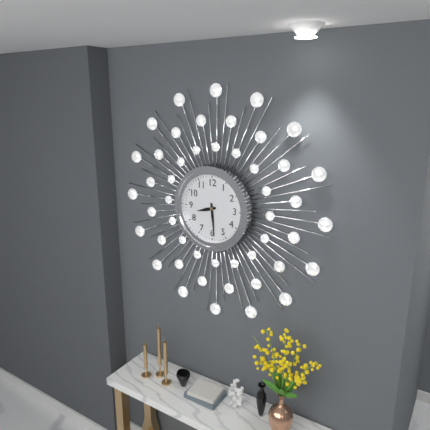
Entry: 8:29
